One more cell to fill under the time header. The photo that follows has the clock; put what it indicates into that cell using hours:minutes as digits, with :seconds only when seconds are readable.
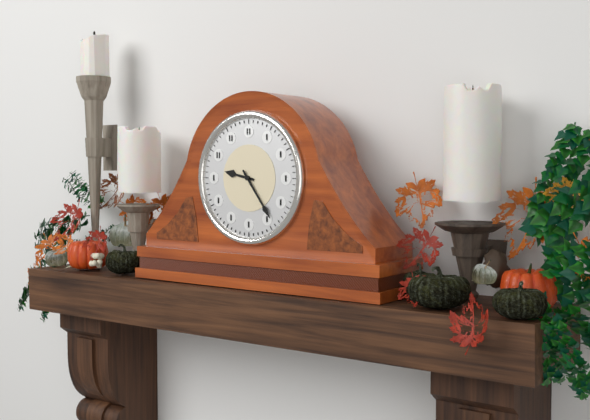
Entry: 9:24
